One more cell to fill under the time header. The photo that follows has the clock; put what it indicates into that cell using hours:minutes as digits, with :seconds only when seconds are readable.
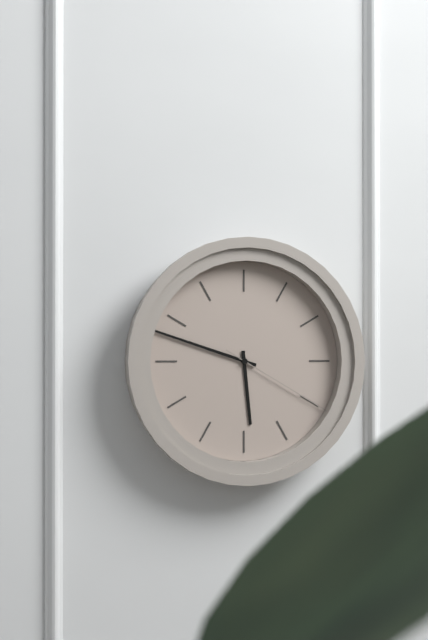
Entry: 5:48:20
